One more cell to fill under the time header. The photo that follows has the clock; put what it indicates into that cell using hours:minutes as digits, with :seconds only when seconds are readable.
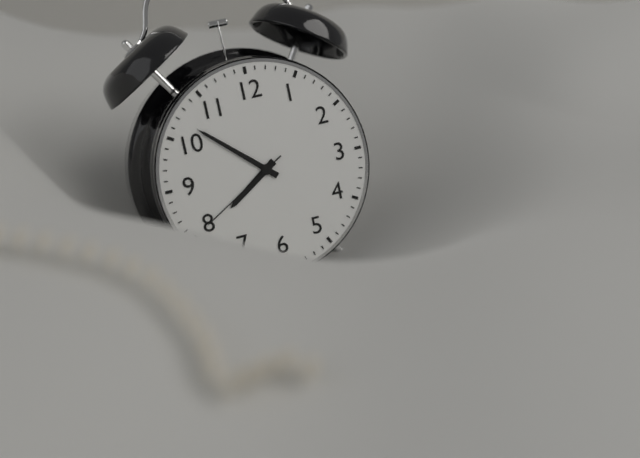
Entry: 7:52:40
